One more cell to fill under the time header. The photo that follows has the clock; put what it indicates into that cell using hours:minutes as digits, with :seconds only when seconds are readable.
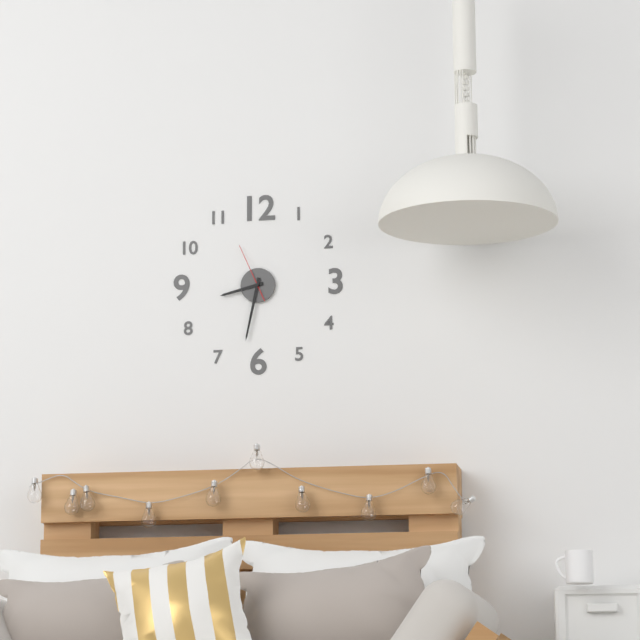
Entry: 8:32:56
